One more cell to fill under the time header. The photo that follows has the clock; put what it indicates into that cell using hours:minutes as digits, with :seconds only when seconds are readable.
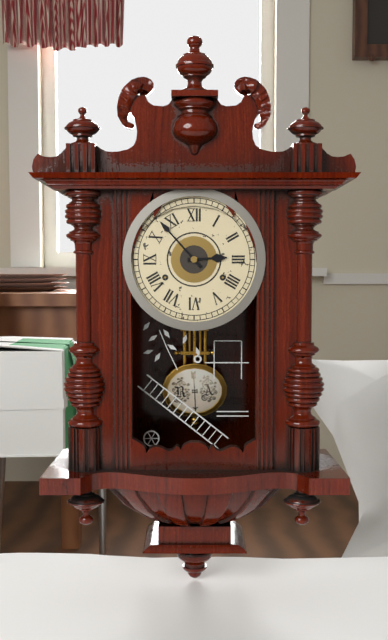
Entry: 2:53
